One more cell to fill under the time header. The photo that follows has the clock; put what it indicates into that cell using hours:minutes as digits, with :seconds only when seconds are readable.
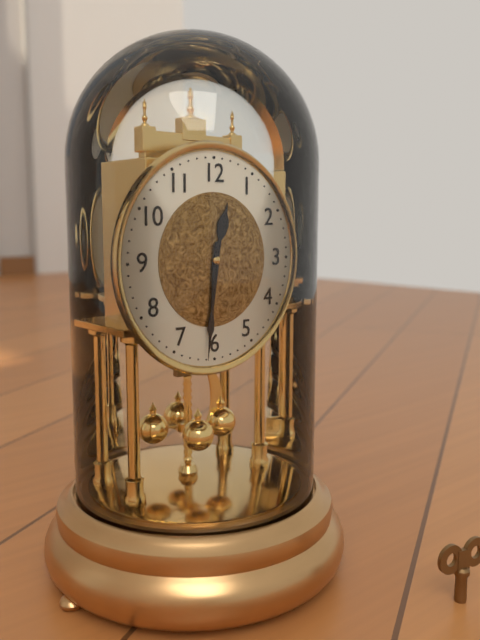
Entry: 12:31
